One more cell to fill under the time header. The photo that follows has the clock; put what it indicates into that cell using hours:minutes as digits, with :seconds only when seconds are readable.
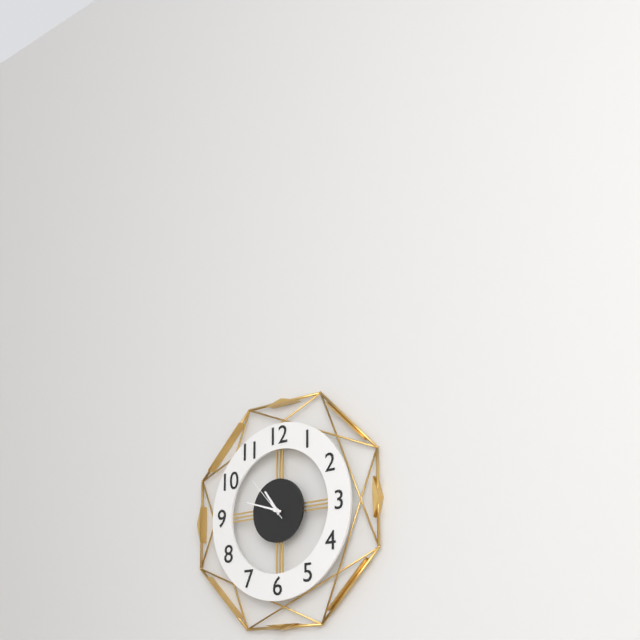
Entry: 10:48:53
